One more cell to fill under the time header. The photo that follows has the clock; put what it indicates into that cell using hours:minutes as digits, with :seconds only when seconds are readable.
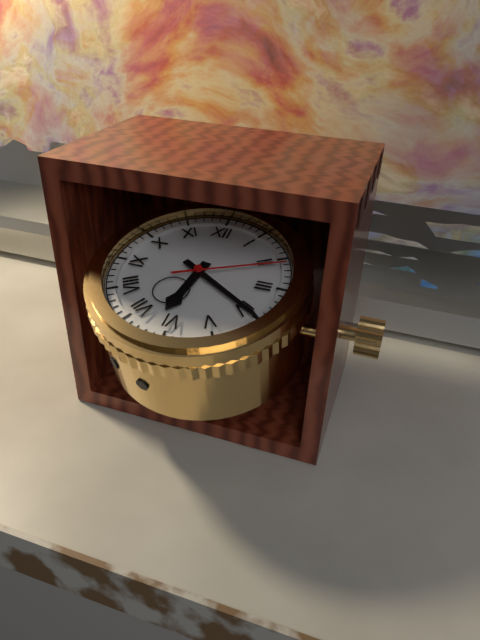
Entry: 6:20:11
